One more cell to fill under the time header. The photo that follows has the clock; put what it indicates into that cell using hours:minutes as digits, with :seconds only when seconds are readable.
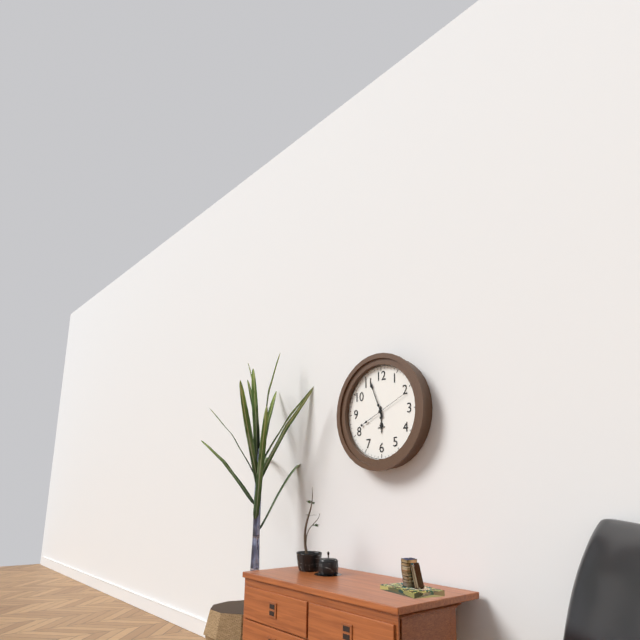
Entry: 5:56
